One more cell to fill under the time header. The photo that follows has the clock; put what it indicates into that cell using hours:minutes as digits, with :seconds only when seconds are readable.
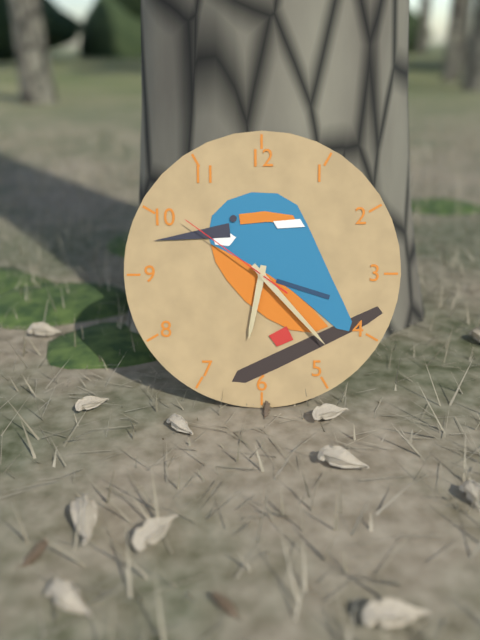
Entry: 6:23:51
